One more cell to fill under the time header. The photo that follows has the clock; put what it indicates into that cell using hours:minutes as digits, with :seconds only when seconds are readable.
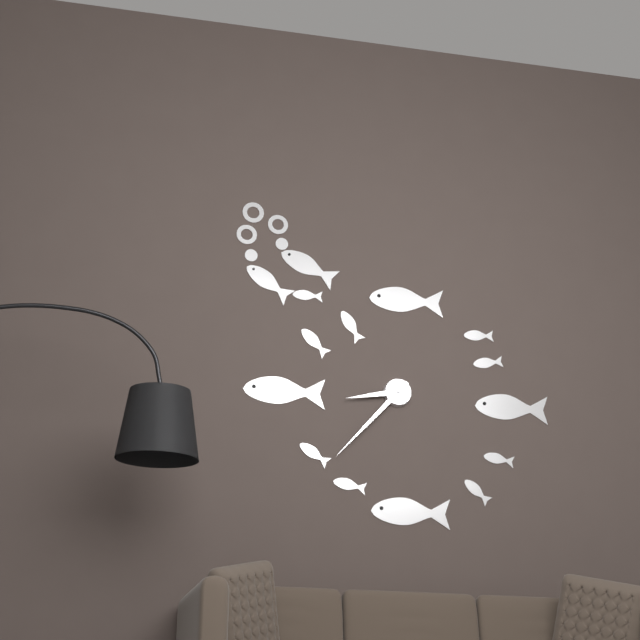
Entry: 8:37
